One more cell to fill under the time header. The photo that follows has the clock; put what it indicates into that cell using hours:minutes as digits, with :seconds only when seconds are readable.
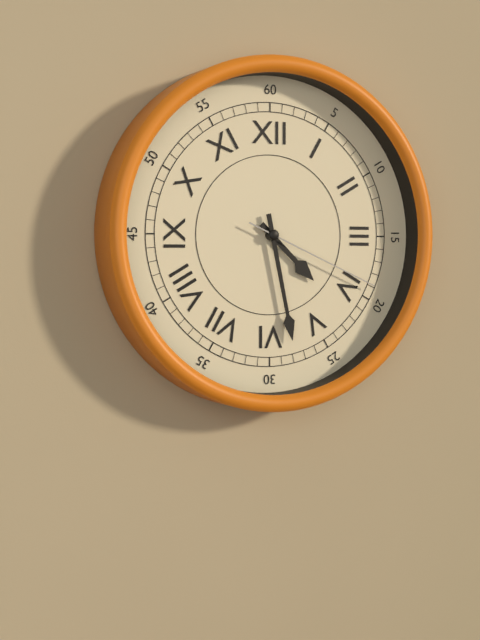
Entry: 4:28:19
